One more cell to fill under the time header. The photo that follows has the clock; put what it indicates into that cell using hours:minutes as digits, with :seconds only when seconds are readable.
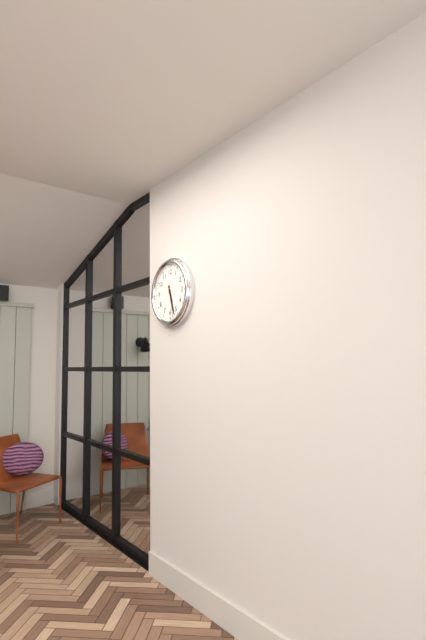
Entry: 5:27
